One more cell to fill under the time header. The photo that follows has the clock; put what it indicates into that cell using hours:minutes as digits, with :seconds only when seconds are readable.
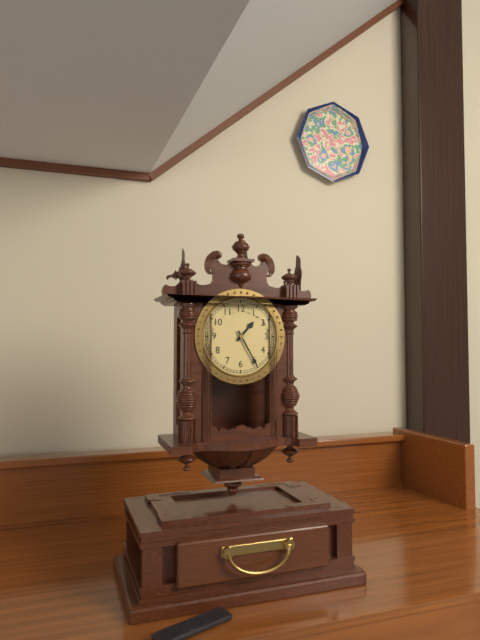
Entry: 1:25
